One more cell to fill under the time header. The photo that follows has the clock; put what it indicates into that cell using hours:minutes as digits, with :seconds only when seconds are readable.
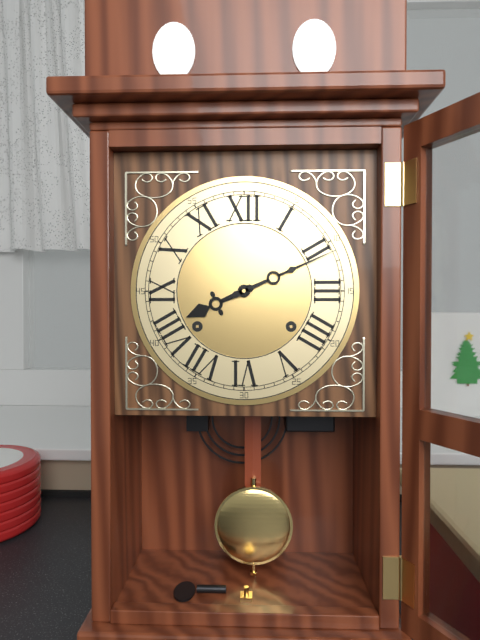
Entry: 8:11
